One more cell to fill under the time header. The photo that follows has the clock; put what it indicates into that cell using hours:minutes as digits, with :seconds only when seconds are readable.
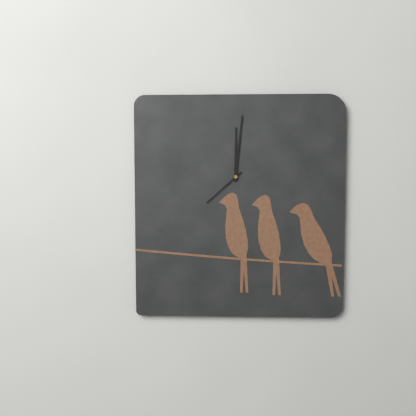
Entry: 12:01
